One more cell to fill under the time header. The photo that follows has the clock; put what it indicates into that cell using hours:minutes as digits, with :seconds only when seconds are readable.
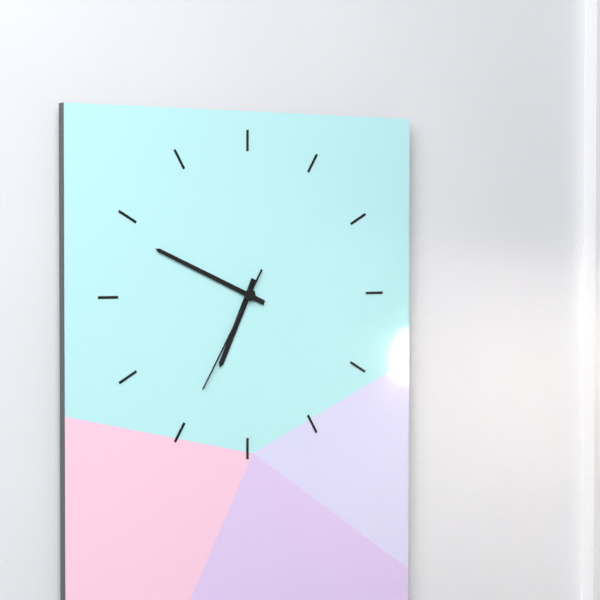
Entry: 6:49:35
